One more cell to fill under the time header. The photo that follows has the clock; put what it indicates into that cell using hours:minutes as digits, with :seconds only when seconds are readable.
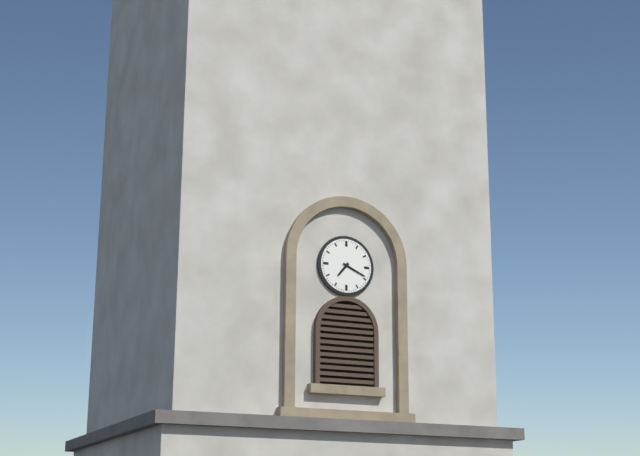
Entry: 7:19
